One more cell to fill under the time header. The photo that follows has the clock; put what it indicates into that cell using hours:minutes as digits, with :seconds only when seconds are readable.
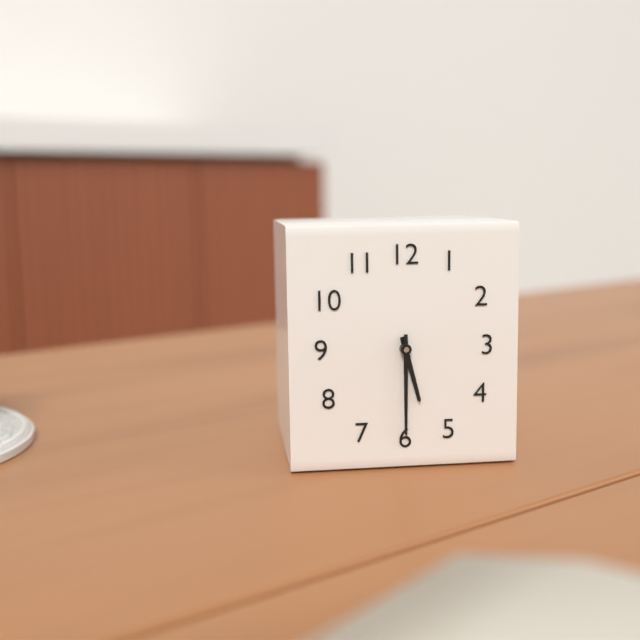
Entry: 5:30
